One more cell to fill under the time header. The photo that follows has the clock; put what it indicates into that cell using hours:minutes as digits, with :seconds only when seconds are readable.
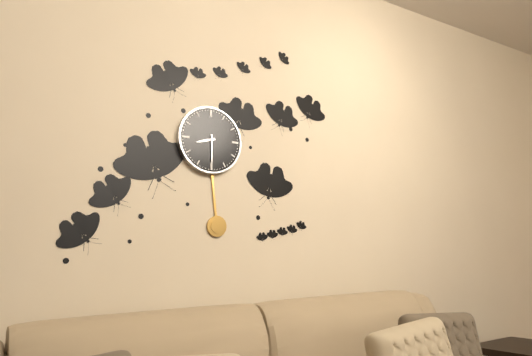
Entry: 8:30
